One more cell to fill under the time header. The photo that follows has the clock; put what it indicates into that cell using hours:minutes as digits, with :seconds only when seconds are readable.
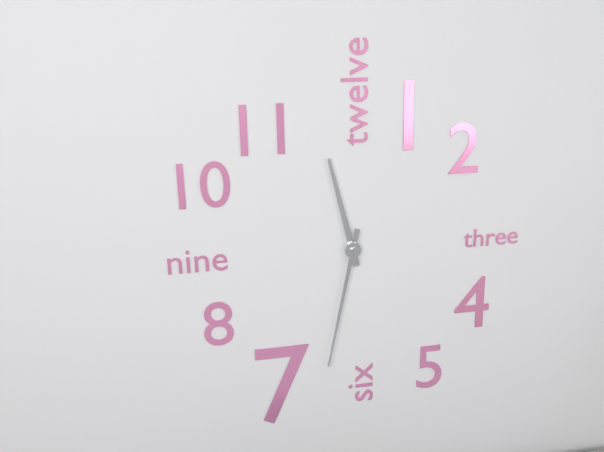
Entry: 11:32
